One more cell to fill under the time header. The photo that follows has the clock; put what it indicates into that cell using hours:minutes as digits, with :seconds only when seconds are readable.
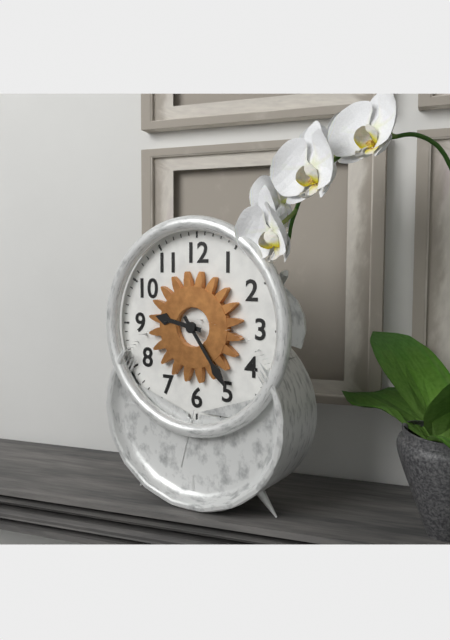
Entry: 9:24
